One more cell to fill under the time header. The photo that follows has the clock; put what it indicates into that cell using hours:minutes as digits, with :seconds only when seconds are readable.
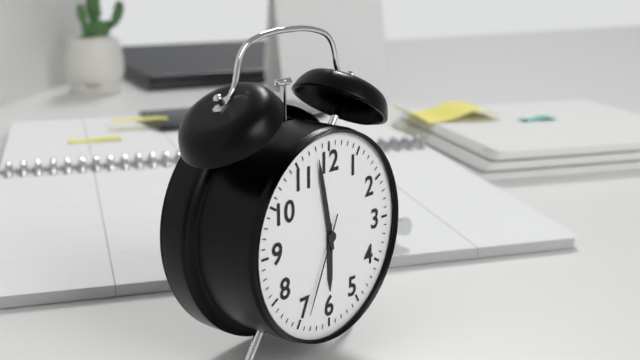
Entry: 5:58:34
